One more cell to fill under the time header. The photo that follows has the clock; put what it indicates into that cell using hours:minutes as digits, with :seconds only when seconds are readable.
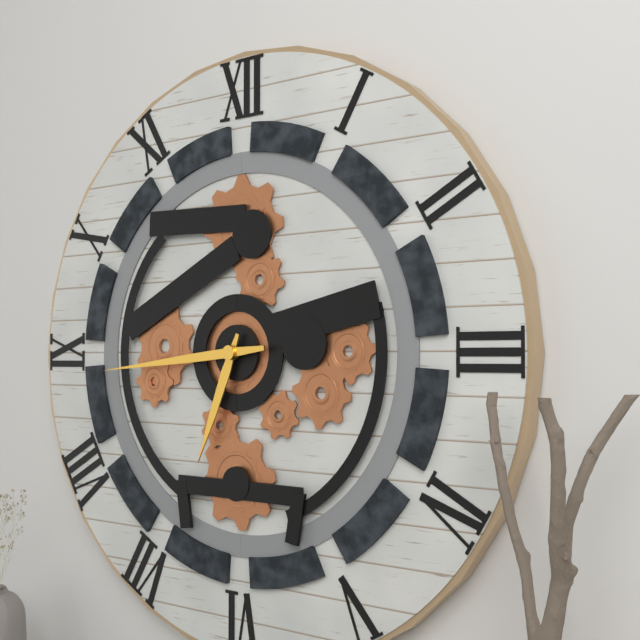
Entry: 6:44
